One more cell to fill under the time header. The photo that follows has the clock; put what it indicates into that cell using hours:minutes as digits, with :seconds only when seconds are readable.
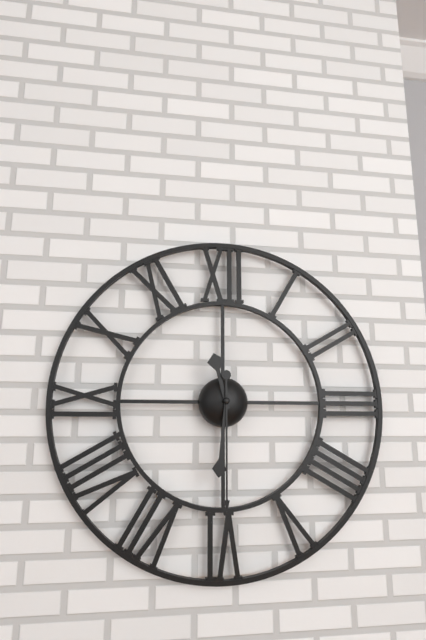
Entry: 11:31:30
